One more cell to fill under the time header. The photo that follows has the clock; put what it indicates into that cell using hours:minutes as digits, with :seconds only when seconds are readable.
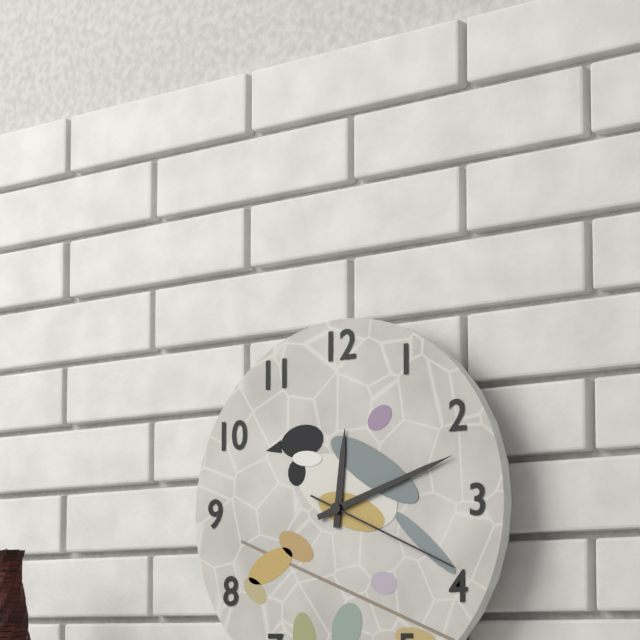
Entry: 12:12:19
